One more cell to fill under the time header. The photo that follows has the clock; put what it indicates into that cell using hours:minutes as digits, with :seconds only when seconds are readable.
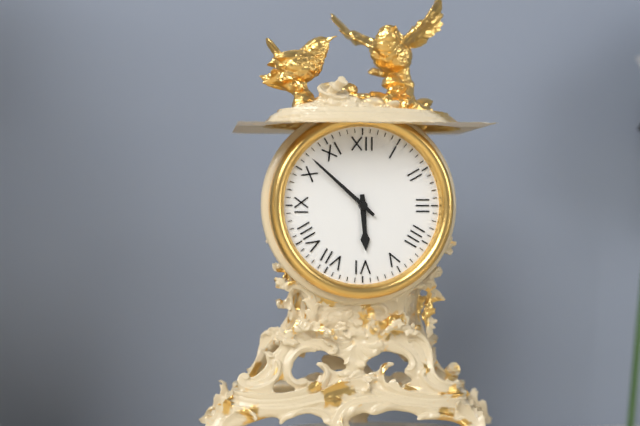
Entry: 5:52
